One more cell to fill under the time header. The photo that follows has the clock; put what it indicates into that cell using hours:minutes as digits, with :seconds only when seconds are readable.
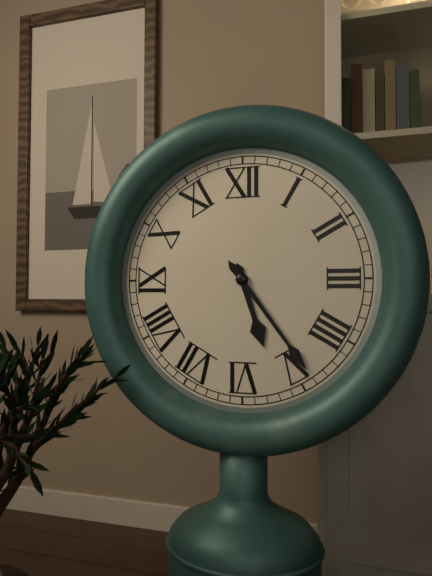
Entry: 5:24
